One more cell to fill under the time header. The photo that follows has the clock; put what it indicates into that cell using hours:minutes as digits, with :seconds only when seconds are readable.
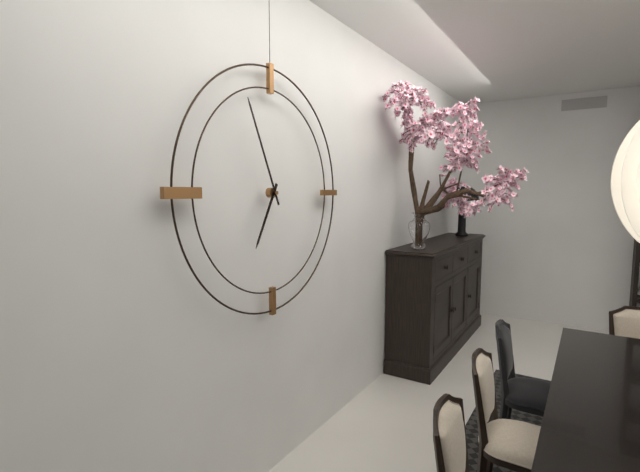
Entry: 6:56
